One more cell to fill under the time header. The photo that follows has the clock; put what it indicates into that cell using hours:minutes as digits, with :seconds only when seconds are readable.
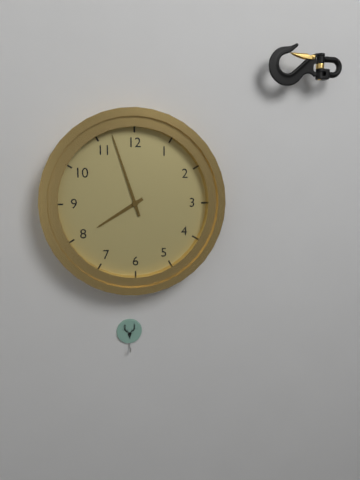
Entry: 7:57
